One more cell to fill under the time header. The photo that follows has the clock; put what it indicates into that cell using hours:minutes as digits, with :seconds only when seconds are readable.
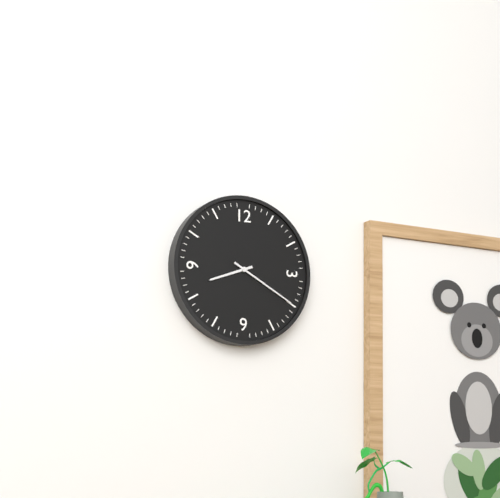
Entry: 8:20
